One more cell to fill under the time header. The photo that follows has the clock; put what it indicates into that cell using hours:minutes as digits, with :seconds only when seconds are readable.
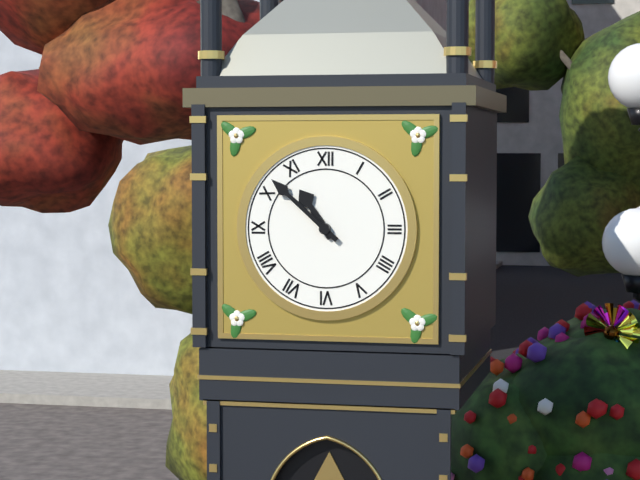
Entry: 10:52
